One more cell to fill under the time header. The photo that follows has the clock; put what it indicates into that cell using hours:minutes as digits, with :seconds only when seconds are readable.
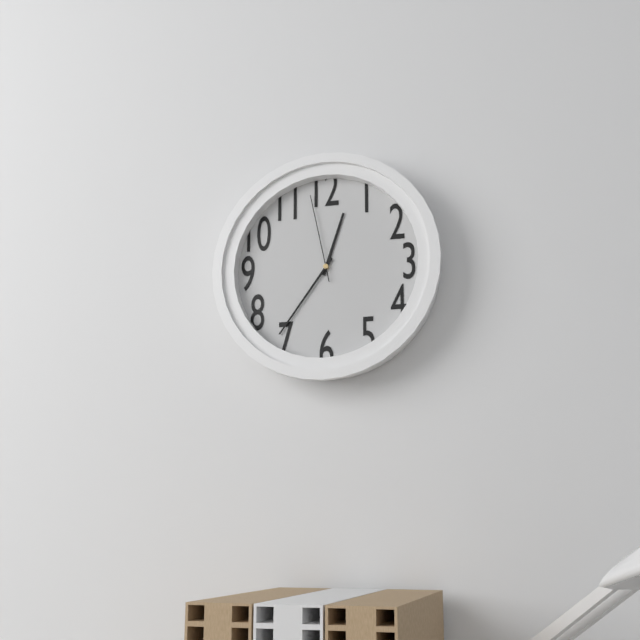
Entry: 12:36:58
